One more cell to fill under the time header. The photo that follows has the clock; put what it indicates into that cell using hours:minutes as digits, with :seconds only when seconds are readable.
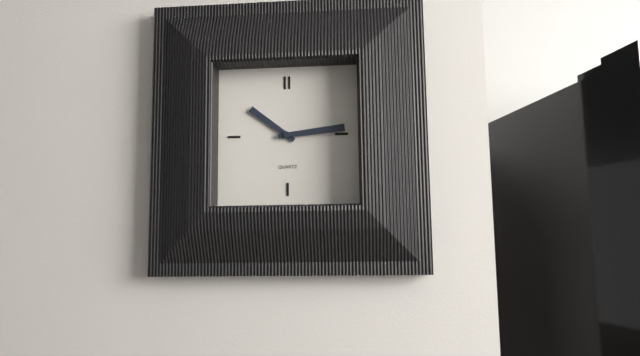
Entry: 10:14
